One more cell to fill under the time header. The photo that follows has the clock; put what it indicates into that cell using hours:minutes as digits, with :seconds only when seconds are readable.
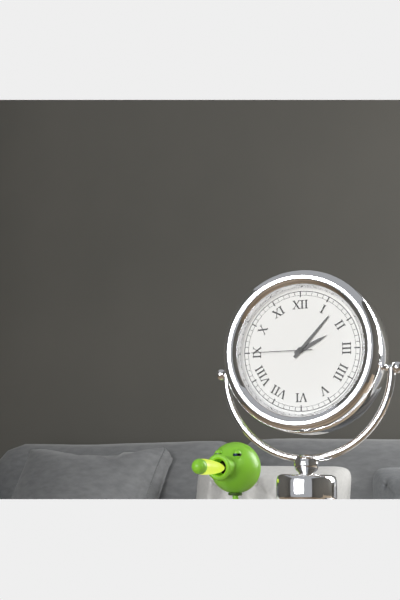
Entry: 2:07:45
